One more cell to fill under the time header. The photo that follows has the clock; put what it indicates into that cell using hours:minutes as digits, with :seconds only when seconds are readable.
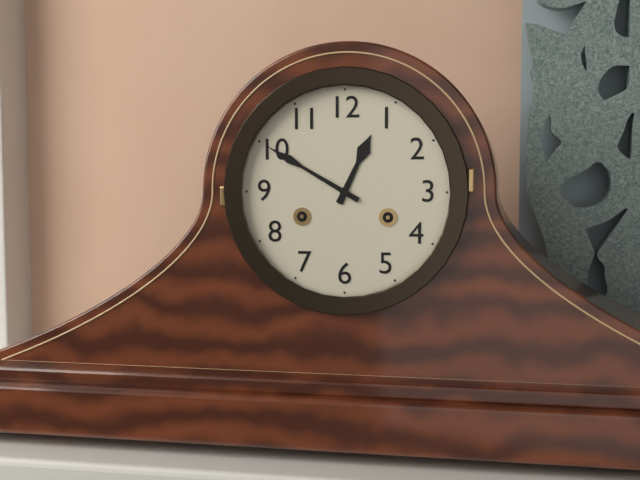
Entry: 12:50
